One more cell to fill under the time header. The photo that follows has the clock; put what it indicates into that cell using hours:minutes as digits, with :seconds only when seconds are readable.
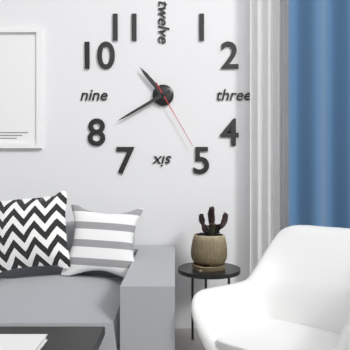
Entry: 10:40:25
